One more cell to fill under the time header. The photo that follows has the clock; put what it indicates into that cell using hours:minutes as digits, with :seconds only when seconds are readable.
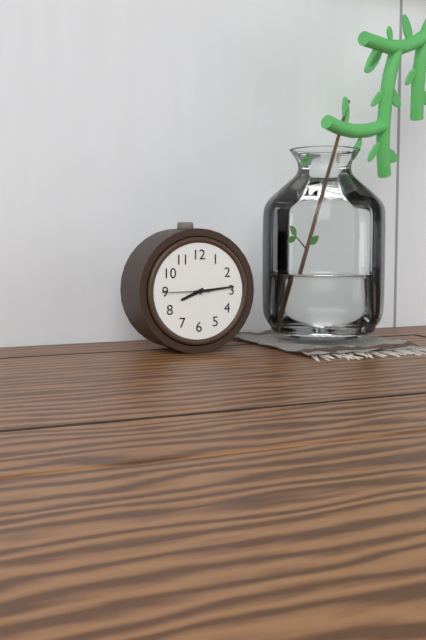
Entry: 8:14
